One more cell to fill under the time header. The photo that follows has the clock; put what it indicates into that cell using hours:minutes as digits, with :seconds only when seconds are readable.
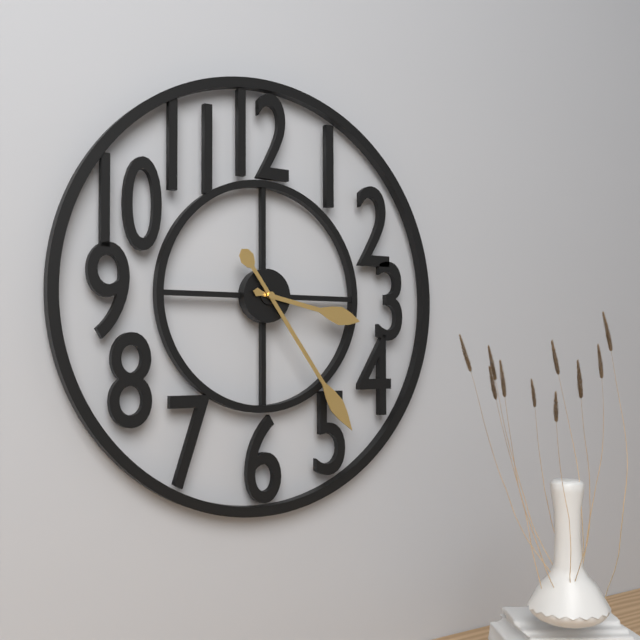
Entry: 3:24
